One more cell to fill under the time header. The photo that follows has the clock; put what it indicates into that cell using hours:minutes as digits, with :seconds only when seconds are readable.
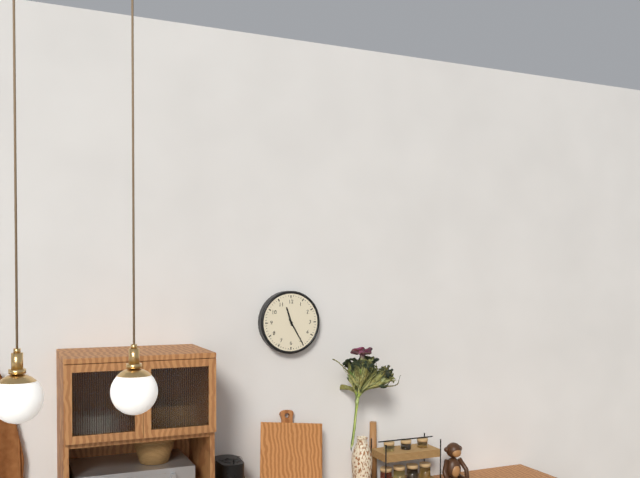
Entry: 11:25
